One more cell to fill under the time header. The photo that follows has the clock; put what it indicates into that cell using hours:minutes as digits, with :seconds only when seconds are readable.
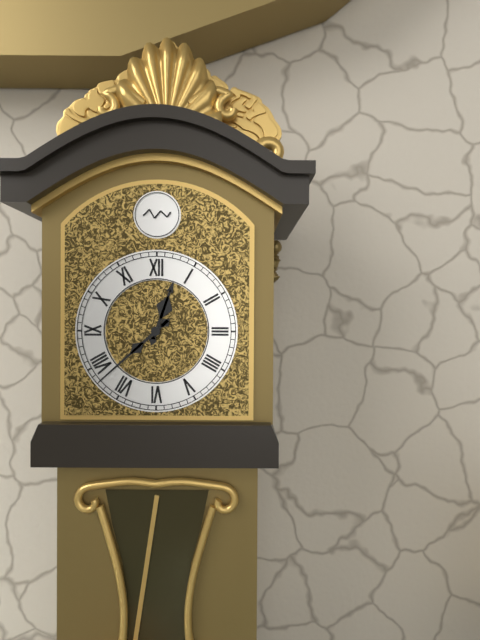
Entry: 12:38
